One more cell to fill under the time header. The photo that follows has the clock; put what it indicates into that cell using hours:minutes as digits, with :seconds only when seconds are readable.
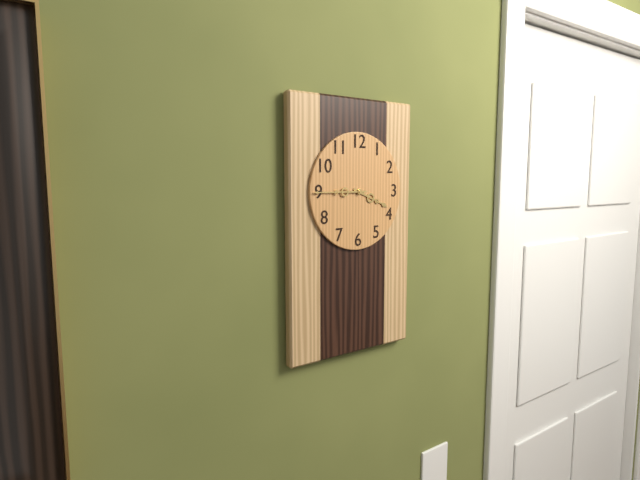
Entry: 3:45
